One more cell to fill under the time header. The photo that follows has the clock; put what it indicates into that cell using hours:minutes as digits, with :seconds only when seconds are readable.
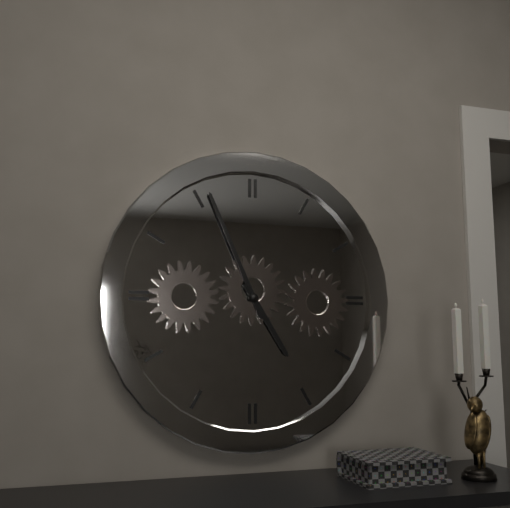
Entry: 4:56
